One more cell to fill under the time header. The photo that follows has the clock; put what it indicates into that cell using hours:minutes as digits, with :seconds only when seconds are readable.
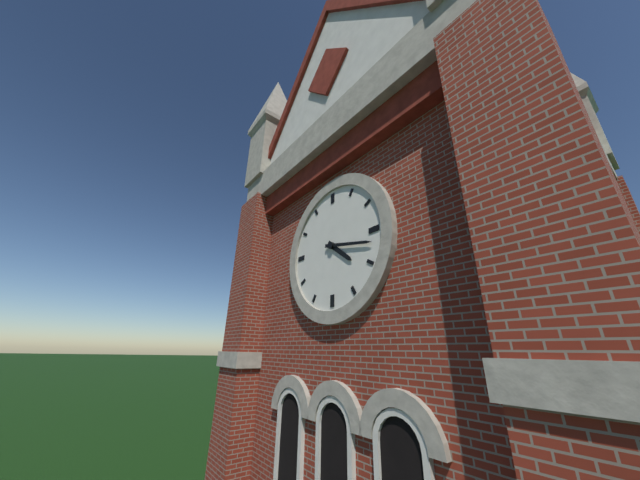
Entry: 4:17
